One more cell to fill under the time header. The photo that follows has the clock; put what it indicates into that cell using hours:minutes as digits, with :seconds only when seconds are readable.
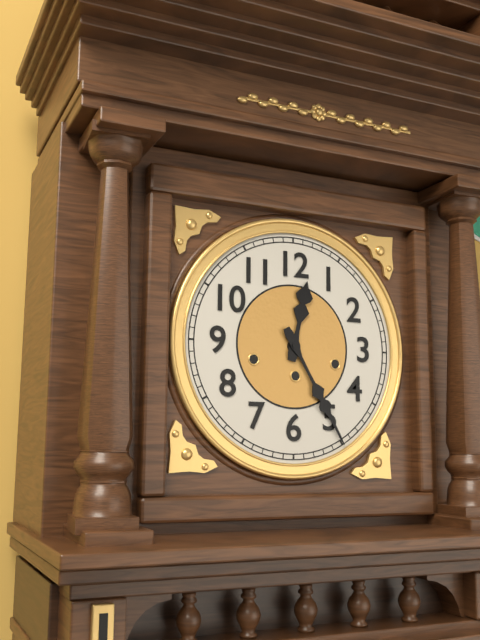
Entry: 12:25
